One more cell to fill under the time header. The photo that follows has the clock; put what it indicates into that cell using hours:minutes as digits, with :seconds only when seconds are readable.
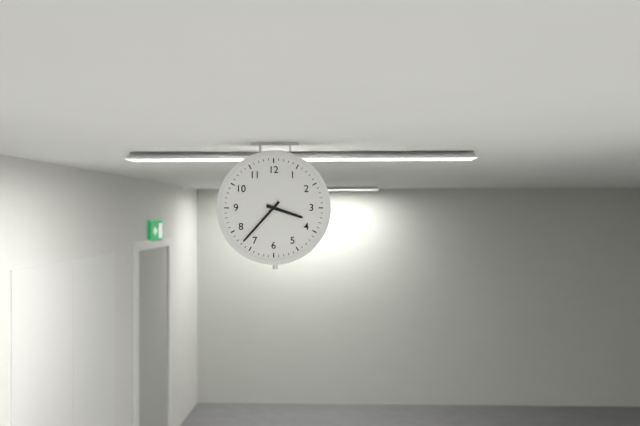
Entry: 3:37
